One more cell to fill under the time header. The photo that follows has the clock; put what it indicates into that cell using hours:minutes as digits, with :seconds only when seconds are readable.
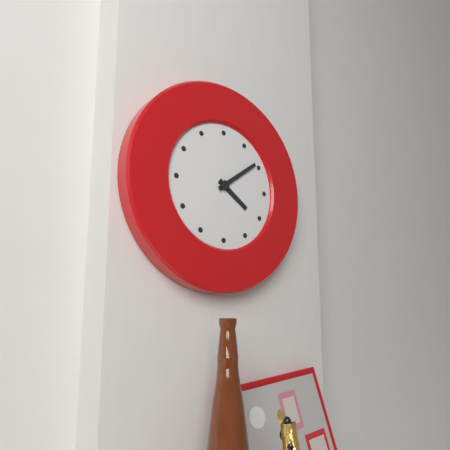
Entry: 4:09
